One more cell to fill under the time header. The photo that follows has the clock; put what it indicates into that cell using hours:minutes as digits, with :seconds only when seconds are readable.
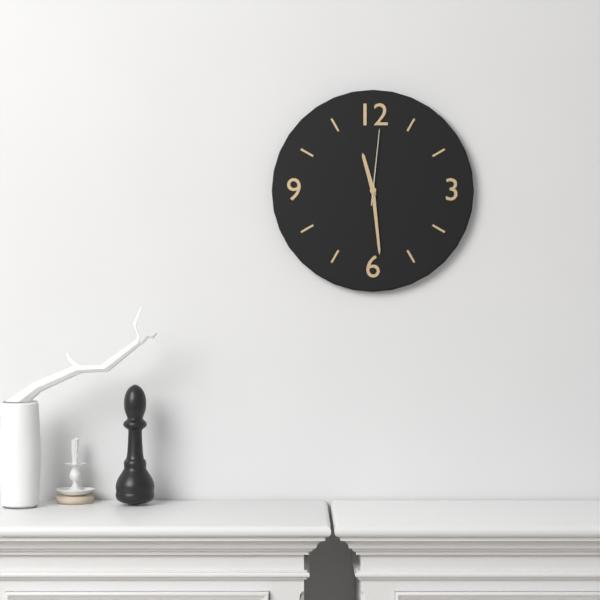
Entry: 11:29:01
